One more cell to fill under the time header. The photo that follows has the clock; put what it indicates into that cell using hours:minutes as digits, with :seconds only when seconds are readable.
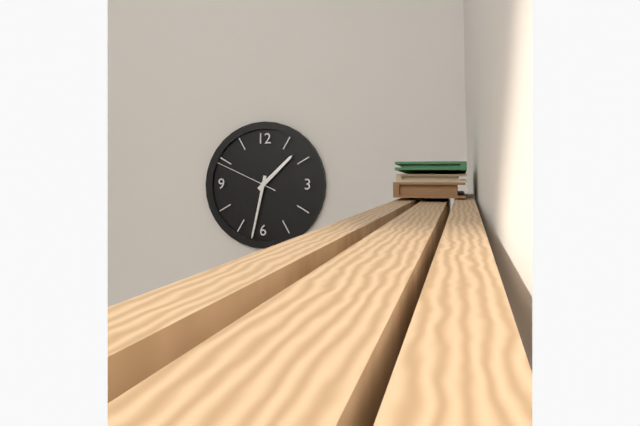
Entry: 1:32:49
